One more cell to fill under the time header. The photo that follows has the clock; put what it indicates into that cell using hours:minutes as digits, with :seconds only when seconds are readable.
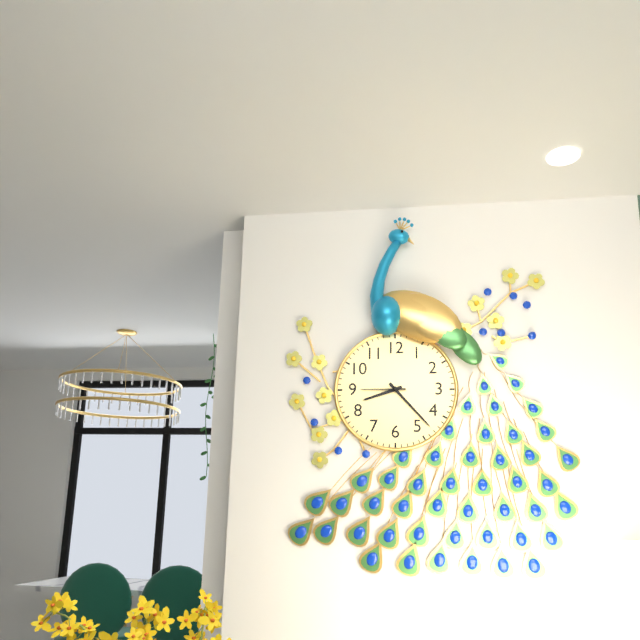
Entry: 8:23
